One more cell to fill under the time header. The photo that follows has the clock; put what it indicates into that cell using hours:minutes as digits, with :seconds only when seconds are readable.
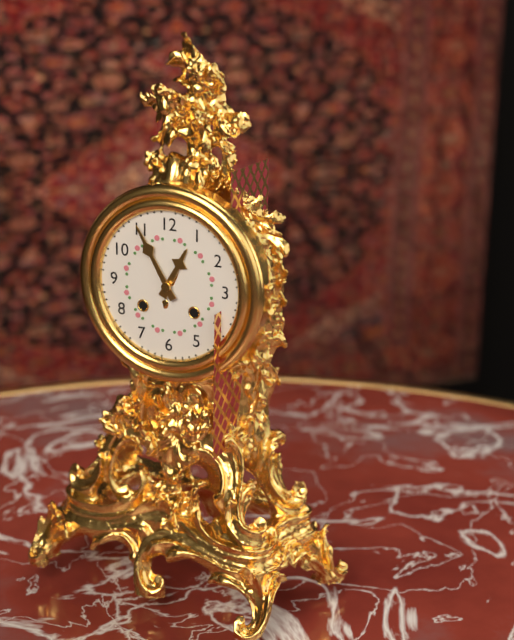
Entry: 12:55
